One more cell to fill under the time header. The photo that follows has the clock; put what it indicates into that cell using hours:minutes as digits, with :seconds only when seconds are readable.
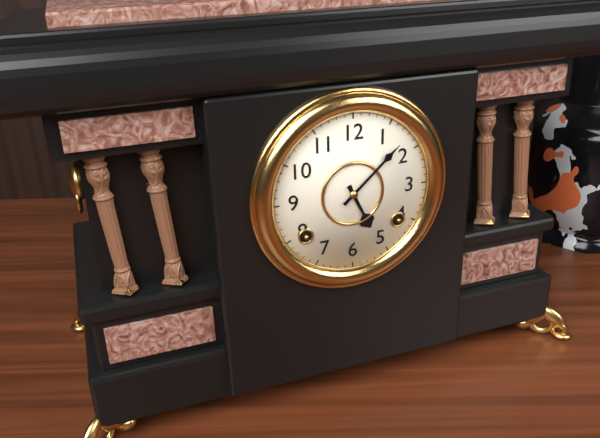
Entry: 5:08
